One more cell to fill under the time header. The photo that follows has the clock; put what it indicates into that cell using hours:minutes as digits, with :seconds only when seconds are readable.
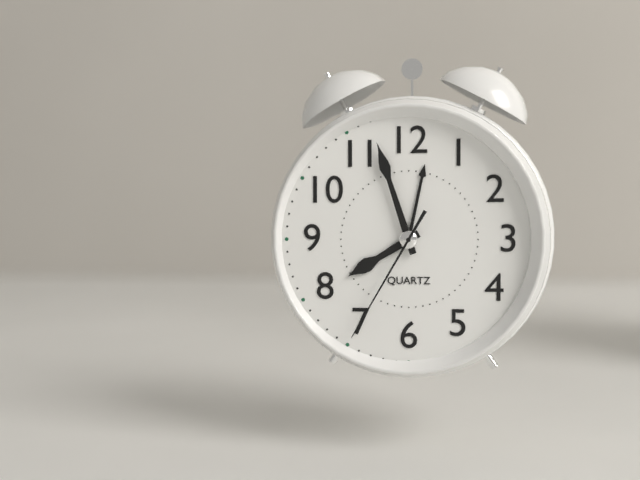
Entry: 7:57:35
